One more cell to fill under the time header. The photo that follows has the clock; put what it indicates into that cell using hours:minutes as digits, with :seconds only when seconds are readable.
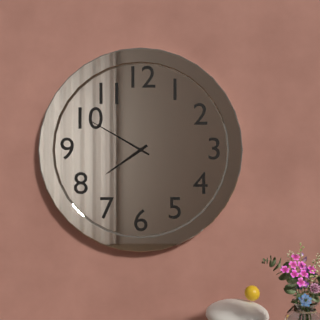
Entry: 7:50
